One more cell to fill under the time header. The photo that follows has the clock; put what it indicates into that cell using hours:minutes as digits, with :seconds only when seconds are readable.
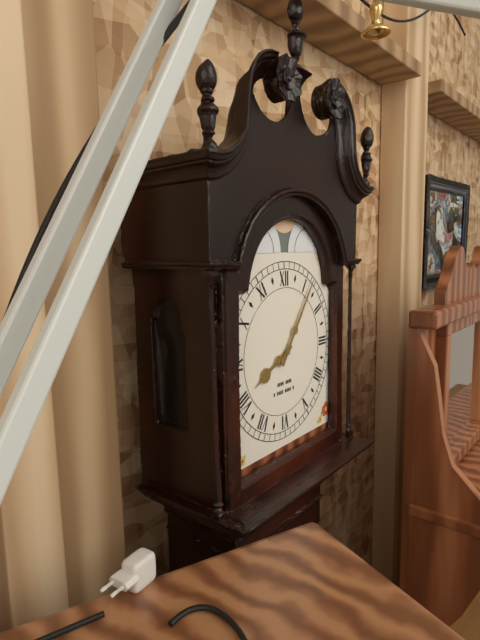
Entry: 8:06
